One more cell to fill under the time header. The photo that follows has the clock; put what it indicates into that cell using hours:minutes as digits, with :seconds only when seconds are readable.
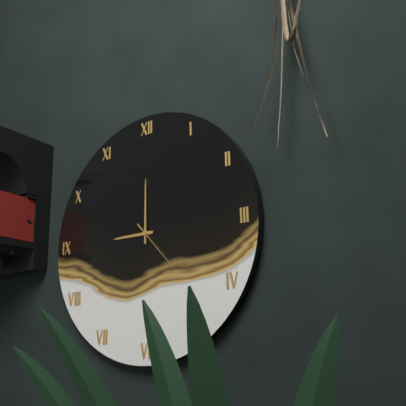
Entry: 9:00:23
